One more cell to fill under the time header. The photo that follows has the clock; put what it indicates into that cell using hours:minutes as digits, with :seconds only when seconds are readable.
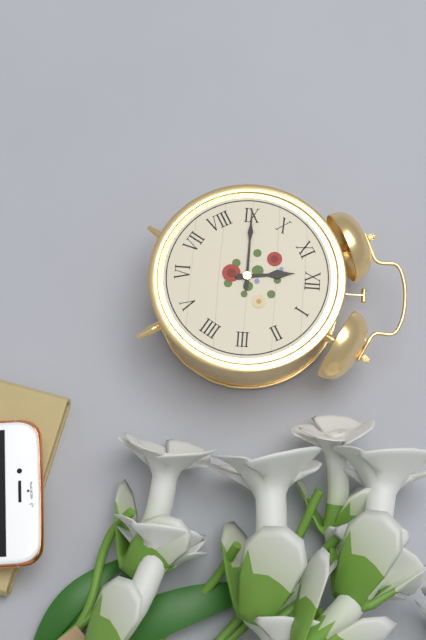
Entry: 11:45
